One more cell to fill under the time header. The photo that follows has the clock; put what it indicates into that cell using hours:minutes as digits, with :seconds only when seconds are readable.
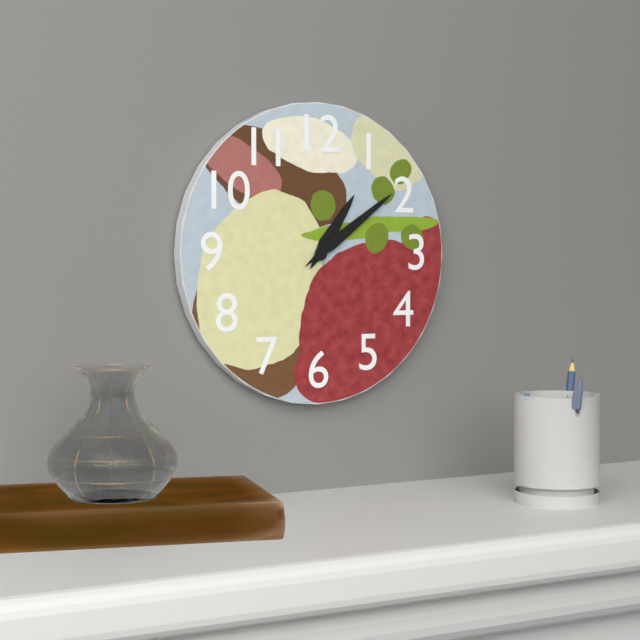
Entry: 1:09
